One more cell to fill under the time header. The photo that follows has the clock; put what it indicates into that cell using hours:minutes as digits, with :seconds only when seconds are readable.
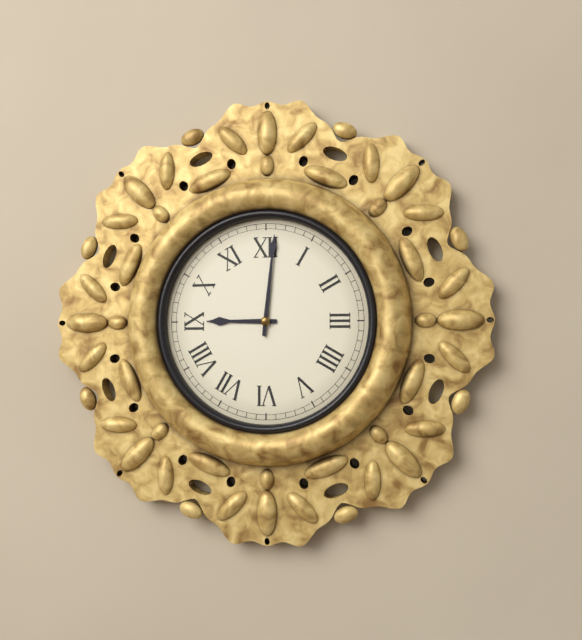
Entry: 9:01
